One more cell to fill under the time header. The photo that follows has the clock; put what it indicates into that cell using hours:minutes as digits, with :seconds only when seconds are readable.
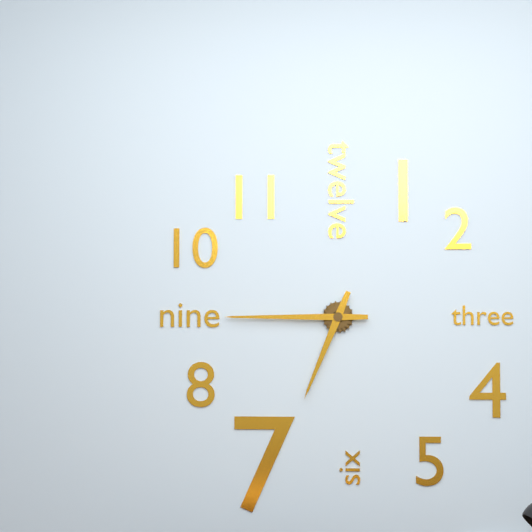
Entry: 6:45
